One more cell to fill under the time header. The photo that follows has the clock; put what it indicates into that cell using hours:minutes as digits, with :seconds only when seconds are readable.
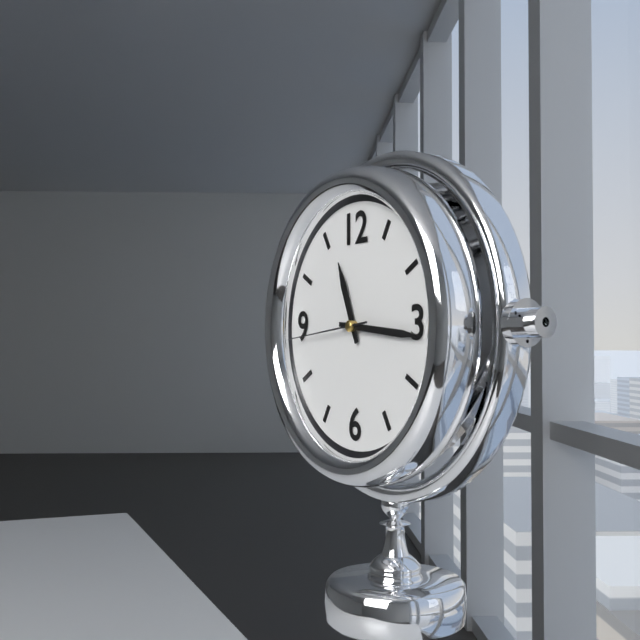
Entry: 11:16:44
